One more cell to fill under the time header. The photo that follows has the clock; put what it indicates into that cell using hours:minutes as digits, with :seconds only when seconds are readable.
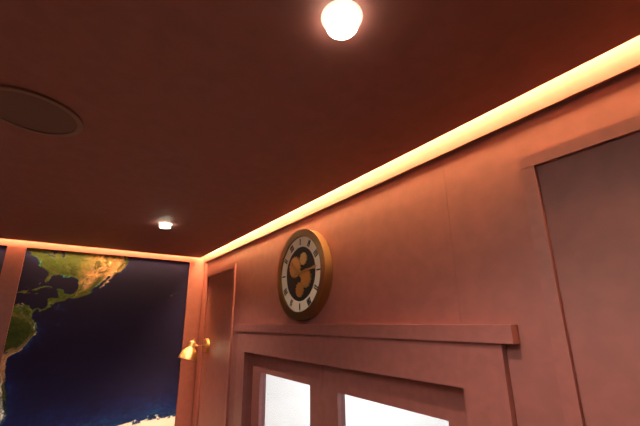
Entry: 10:14
